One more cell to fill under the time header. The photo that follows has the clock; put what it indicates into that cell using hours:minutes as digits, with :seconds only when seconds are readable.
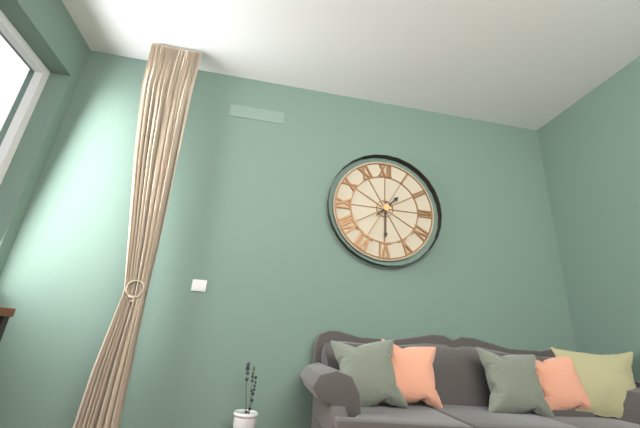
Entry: 1:30
